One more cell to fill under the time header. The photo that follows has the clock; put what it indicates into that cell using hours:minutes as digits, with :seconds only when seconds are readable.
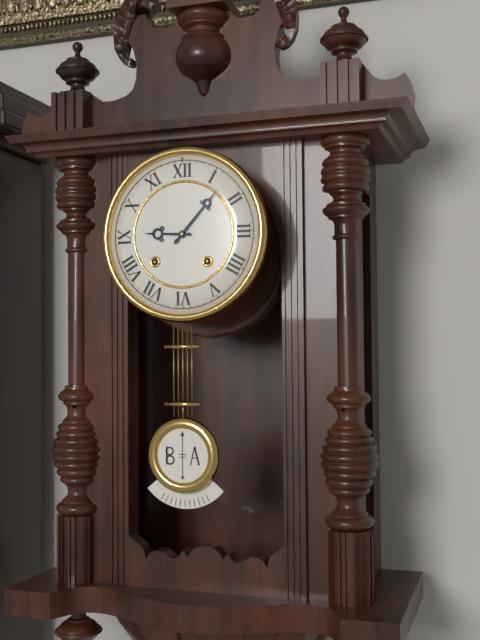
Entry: 9:07
